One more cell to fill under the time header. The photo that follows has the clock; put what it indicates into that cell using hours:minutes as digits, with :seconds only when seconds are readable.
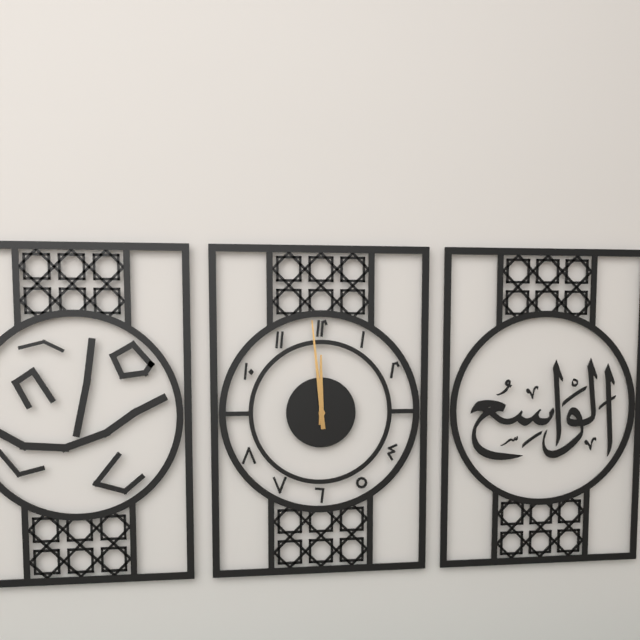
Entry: 11:59
